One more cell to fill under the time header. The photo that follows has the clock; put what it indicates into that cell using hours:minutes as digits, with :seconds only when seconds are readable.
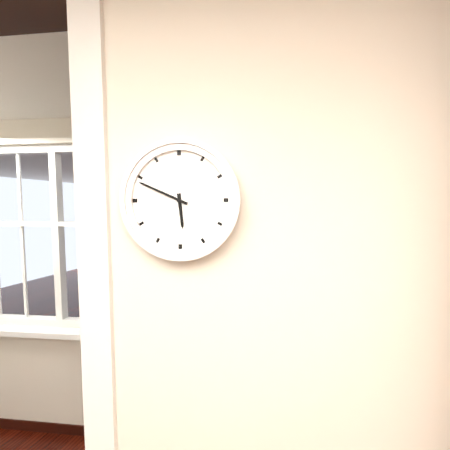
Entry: 5:49
